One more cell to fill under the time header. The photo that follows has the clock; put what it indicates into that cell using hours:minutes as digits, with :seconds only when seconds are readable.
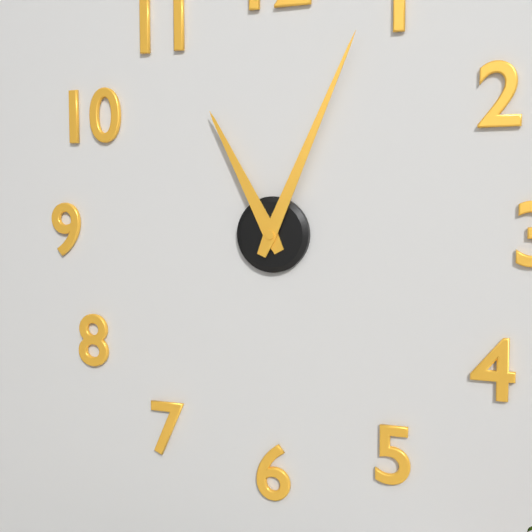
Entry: 11:04
